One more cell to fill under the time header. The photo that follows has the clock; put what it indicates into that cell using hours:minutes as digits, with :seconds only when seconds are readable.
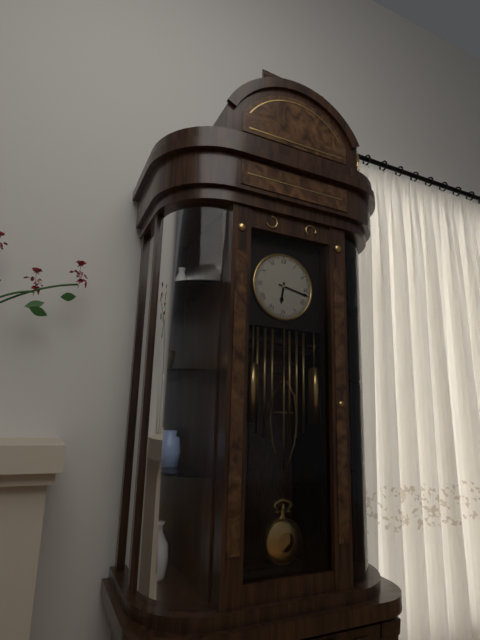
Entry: 6:17
